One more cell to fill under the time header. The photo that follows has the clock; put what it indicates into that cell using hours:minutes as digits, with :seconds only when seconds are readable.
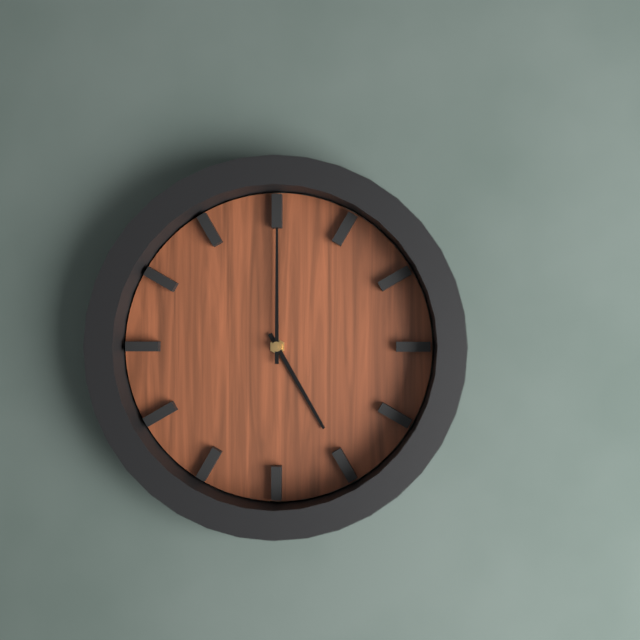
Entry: 5:00
